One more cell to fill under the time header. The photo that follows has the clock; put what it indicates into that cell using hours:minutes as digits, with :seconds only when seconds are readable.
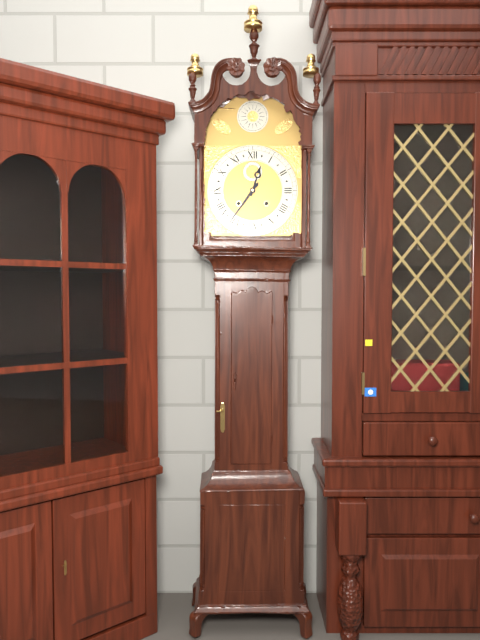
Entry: 12:36
